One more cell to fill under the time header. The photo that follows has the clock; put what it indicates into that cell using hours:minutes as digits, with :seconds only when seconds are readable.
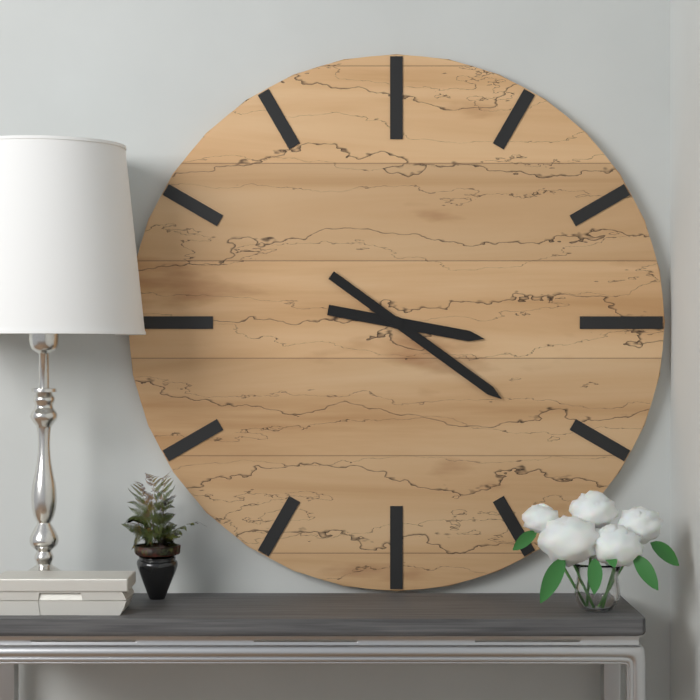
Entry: 3:21
